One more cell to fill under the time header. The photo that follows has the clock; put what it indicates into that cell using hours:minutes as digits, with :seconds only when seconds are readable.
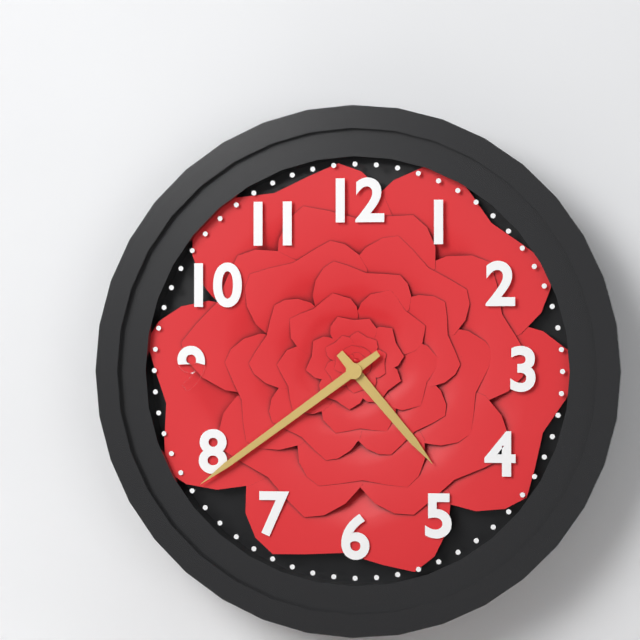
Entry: 4:39
